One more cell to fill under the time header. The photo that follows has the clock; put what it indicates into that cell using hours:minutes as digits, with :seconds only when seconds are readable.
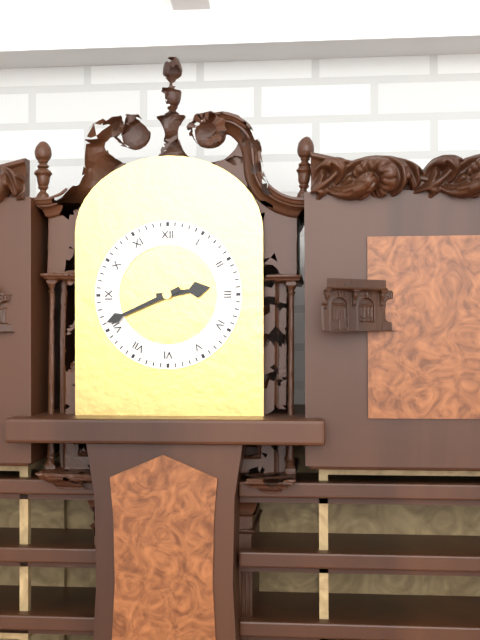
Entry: 2:41
